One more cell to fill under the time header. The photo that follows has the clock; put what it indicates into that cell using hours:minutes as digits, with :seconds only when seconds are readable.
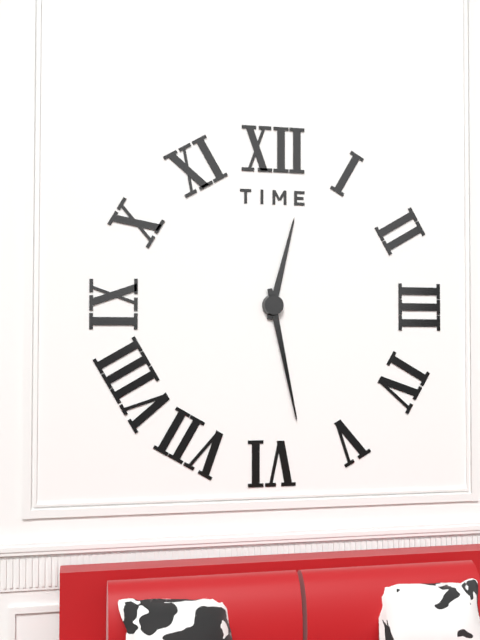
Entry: 12:28
